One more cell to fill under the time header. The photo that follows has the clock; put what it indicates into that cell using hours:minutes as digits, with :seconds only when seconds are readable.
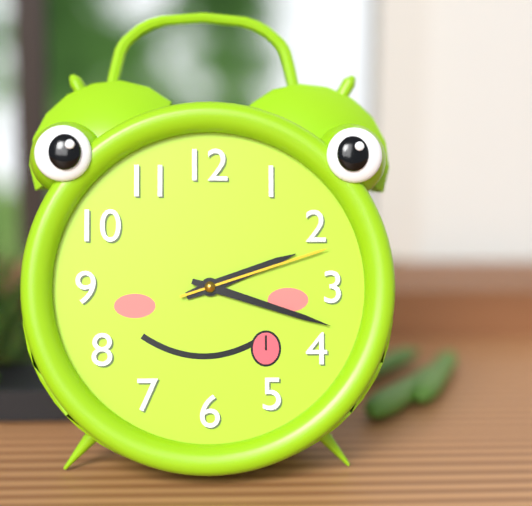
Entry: 2:18:12
